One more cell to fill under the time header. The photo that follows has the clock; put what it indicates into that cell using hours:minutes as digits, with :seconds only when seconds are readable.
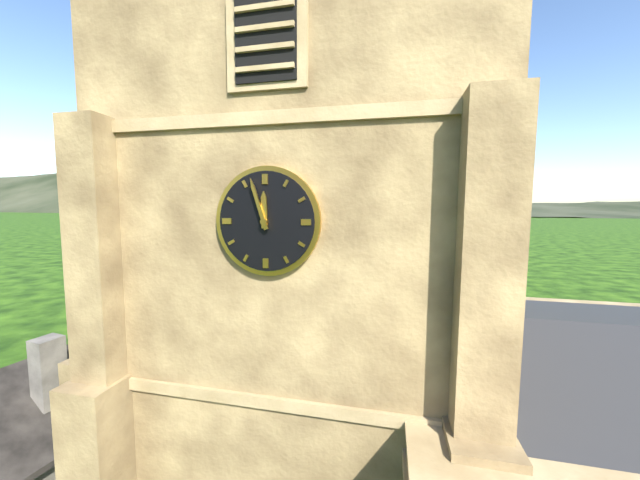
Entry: 11:57
